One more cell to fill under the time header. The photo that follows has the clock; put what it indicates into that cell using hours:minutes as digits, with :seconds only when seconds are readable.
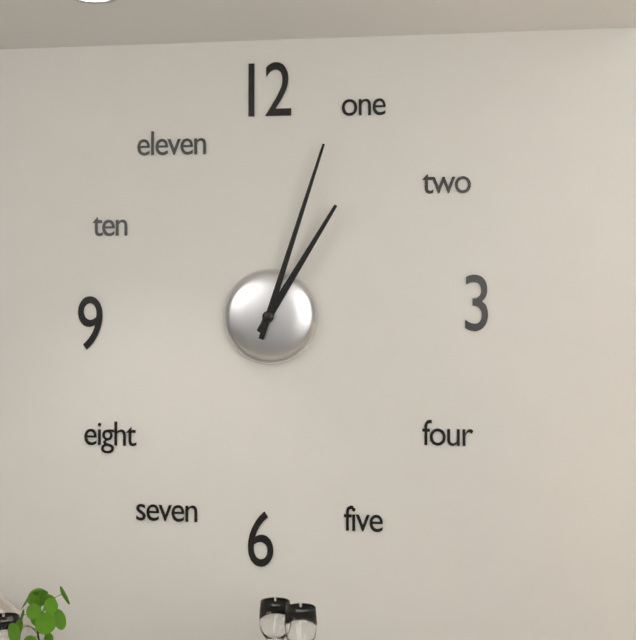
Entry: 1:03
